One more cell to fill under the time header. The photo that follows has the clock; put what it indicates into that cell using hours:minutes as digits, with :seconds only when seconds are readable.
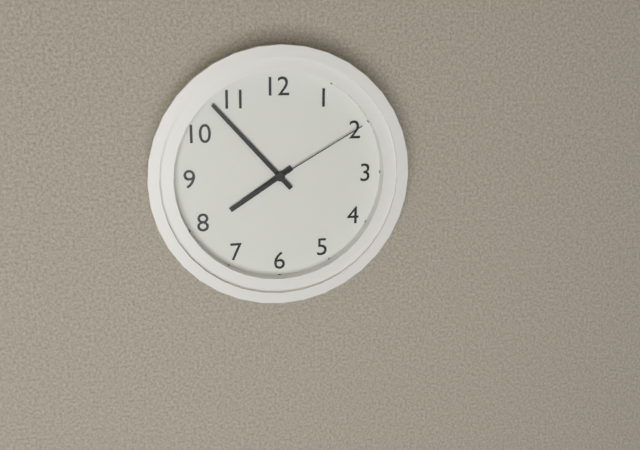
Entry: 7:53:10
